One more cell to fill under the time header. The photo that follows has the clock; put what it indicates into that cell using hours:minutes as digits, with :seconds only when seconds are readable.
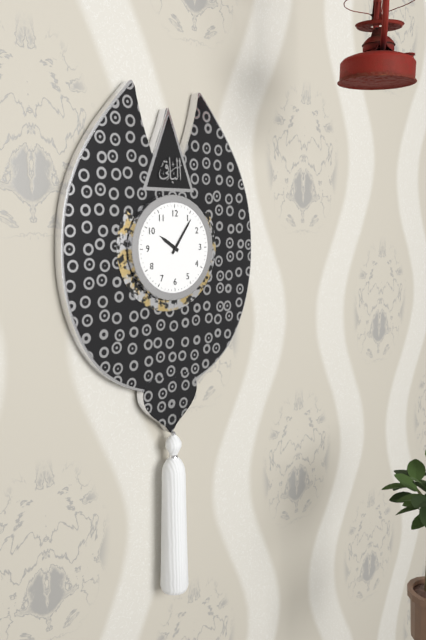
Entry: 10:06
